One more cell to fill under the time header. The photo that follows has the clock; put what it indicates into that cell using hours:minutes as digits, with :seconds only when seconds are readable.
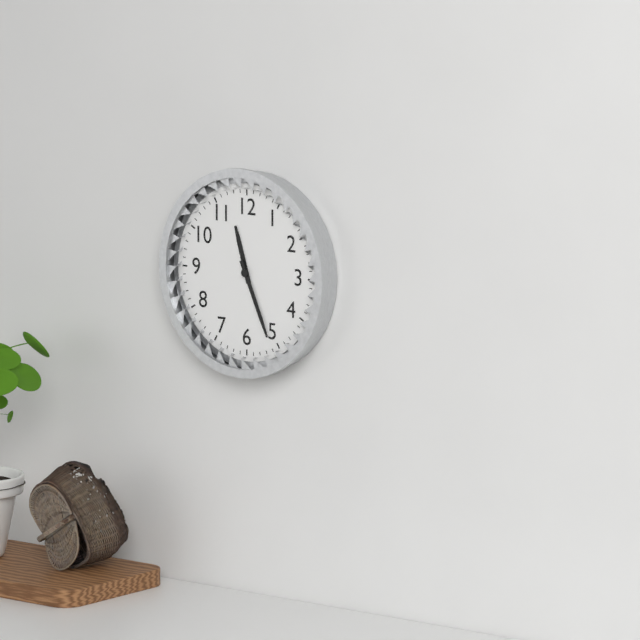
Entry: 11:26
